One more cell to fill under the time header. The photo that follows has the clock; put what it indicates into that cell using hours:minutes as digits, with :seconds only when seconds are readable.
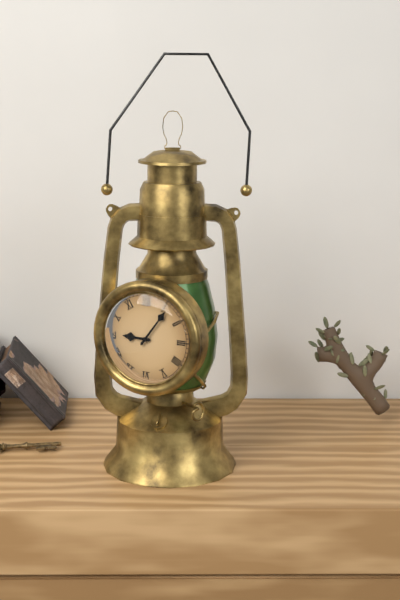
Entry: 9:06
